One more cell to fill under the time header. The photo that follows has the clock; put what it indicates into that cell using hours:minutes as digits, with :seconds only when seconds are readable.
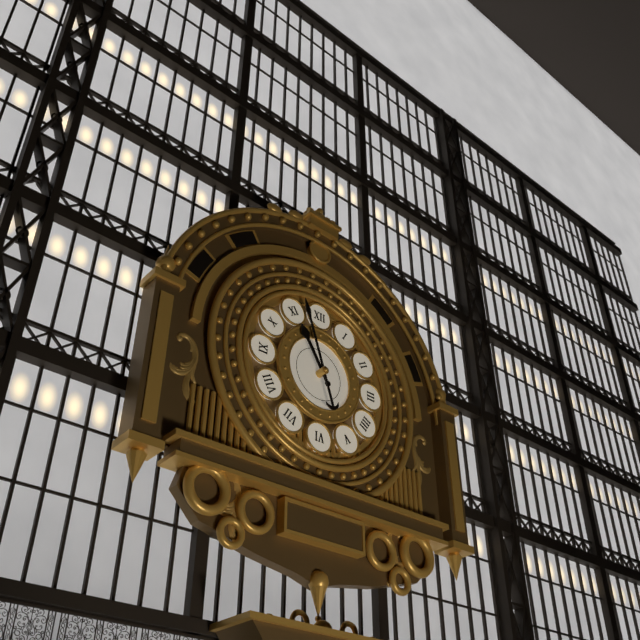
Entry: 10:57
